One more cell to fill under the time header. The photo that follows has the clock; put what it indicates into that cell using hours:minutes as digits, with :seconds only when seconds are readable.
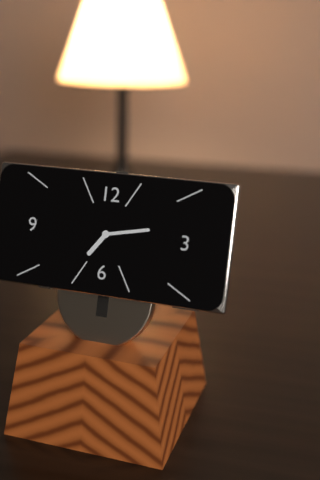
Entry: 7:13
